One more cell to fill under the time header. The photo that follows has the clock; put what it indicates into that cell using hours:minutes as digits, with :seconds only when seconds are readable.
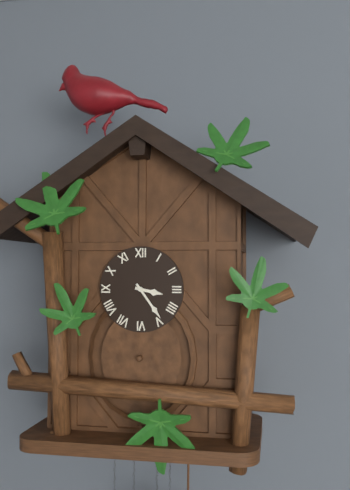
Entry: 3:24
